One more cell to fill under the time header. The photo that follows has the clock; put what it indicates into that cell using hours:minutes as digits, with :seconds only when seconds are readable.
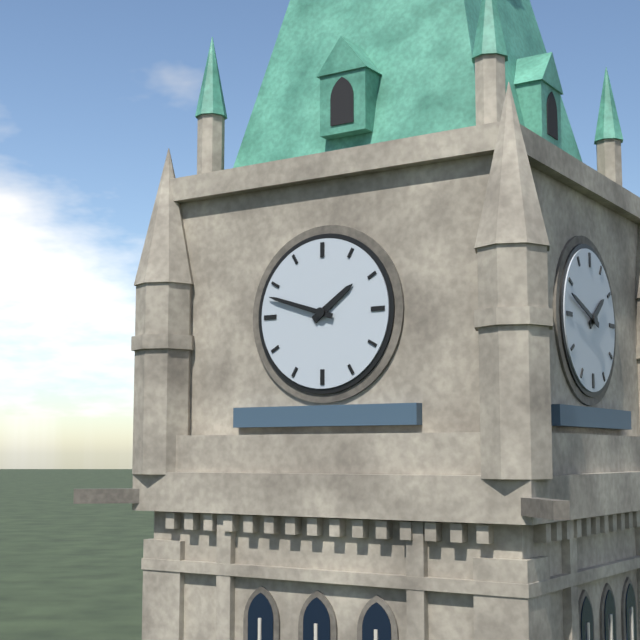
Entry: 1:48
